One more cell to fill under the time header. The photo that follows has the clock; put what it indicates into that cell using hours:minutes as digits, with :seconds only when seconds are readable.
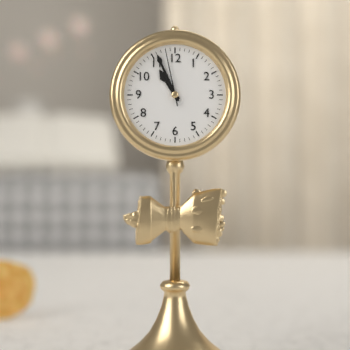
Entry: 10:56:58
